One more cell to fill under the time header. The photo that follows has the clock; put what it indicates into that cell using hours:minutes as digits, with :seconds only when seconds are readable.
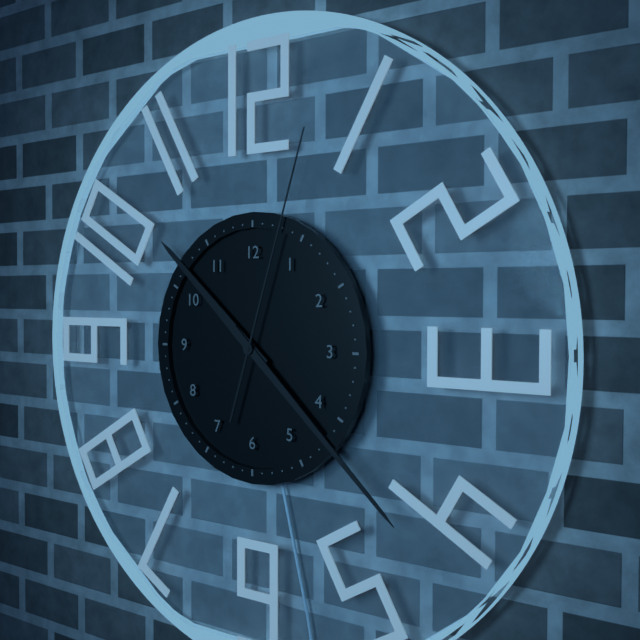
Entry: 10:22:03
